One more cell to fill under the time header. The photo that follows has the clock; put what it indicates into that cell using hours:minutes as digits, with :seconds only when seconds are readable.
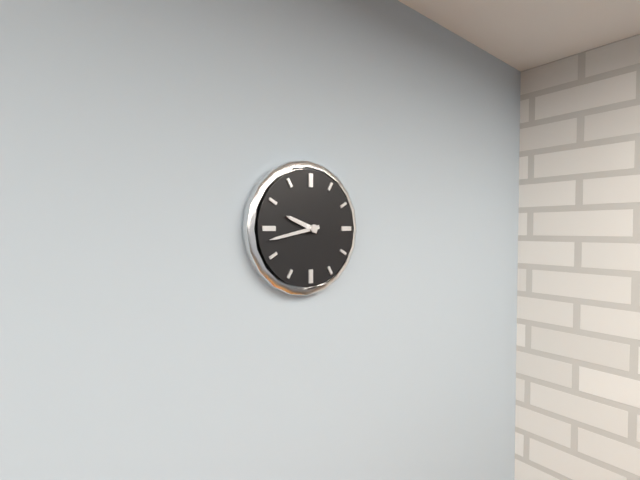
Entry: 9:43
